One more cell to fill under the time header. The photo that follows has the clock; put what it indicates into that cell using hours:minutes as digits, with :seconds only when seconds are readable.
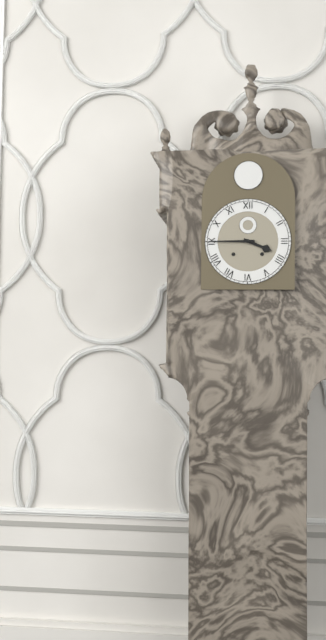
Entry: 3:45
